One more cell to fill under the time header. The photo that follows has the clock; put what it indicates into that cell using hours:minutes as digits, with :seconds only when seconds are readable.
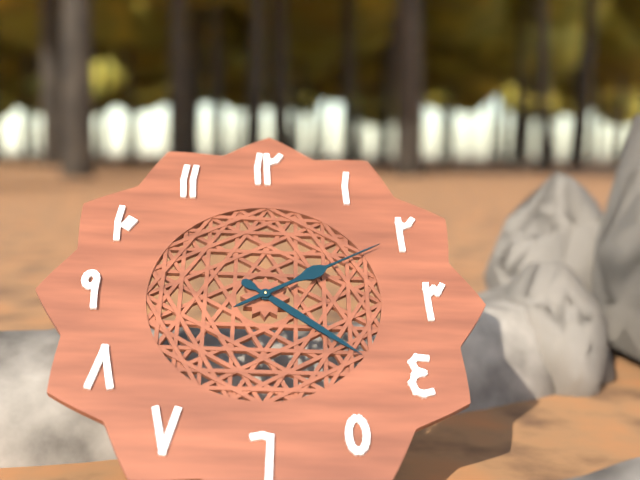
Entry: 4:10
